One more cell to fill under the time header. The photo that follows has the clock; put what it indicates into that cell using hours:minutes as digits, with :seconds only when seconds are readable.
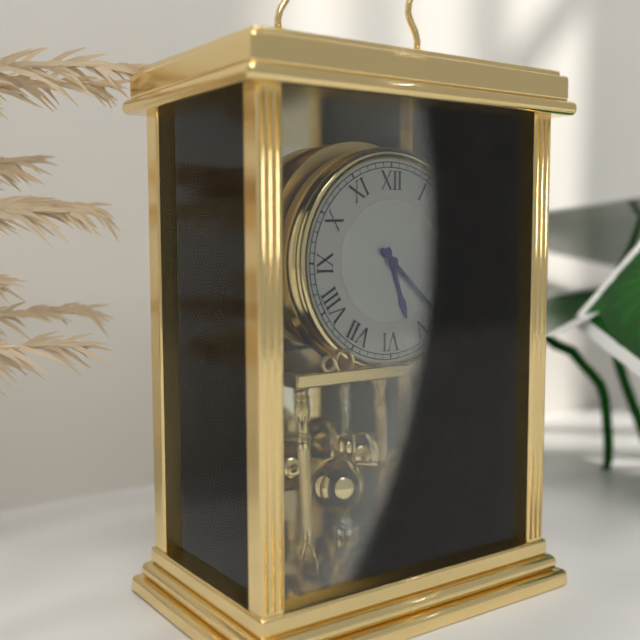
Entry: 5:22
